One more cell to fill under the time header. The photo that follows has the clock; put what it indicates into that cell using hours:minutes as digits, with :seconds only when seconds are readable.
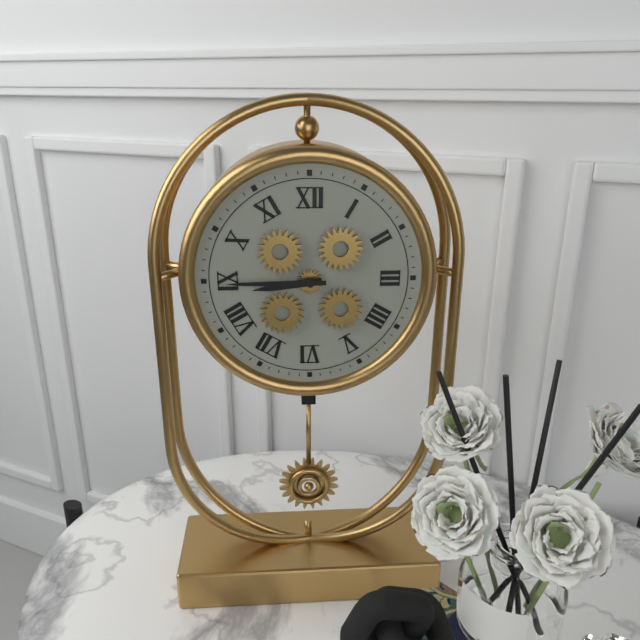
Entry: 8:45
